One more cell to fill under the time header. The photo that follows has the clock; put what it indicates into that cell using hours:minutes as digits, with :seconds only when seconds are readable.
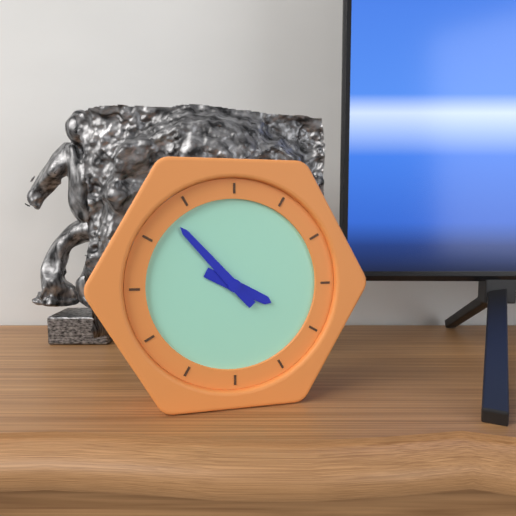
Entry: 3:53
